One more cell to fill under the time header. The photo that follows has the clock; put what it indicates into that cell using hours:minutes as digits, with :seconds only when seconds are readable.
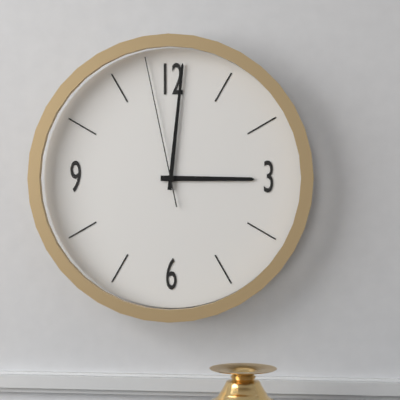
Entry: 3:01:58
